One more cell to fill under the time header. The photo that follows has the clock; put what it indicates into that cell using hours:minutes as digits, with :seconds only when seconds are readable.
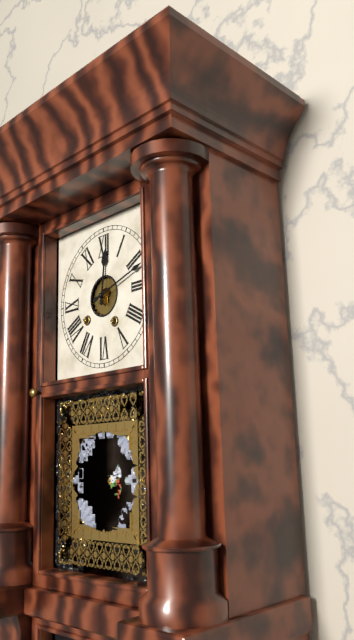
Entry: 12:12
